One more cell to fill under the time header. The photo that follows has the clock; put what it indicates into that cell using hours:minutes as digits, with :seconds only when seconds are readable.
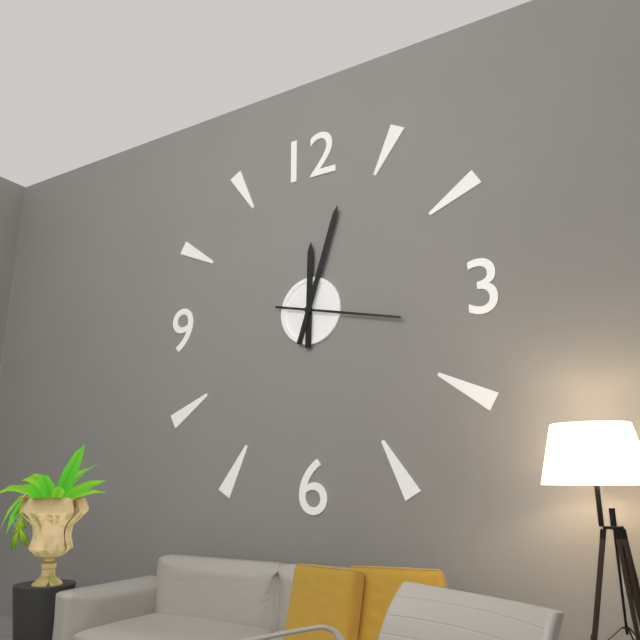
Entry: 12:03:17
